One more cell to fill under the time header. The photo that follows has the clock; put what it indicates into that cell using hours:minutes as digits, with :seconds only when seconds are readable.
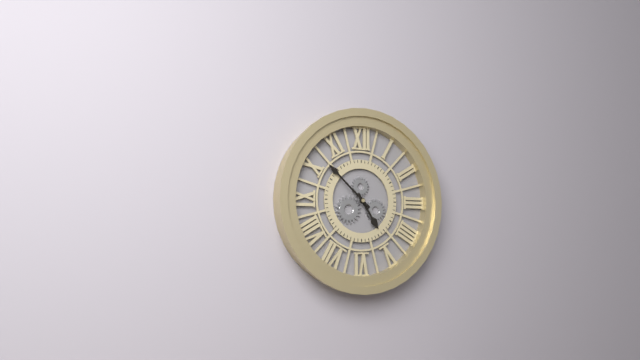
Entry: 4:52
